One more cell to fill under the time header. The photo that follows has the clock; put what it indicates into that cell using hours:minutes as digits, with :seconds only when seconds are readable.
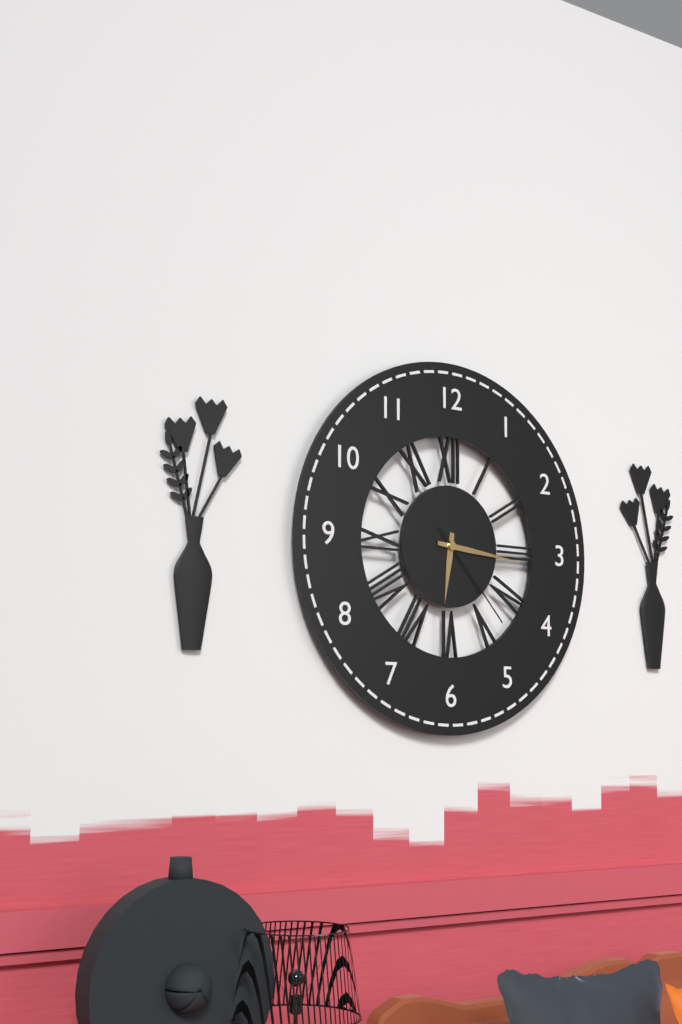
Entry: 6:16:23
